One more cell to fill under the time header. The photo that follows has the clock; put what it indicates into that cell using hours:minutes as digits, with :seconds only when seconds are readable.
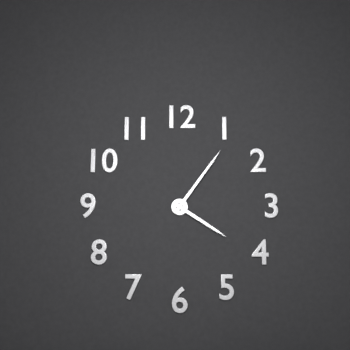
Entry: 4:06
